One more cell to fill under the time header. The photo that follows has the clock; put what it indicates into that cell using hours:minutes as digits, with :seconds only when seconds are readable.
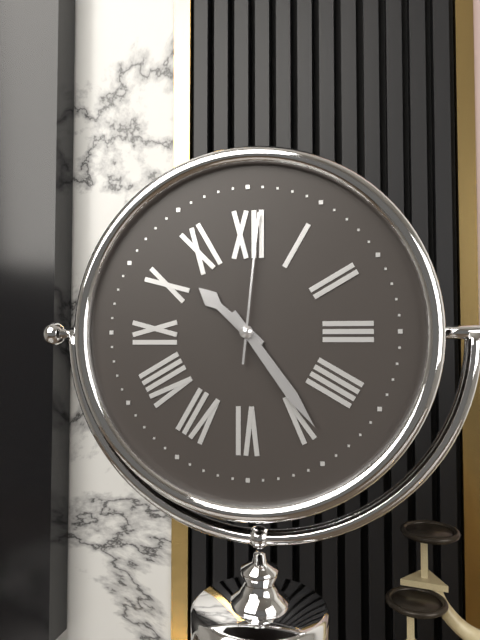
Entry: 10:24:01
